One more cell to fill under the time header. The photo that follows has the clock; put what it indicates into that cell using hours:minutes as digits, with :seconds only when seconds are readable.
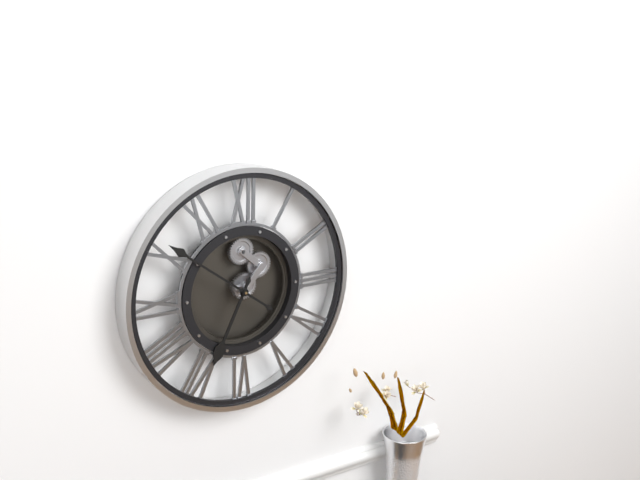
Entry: 6:51
